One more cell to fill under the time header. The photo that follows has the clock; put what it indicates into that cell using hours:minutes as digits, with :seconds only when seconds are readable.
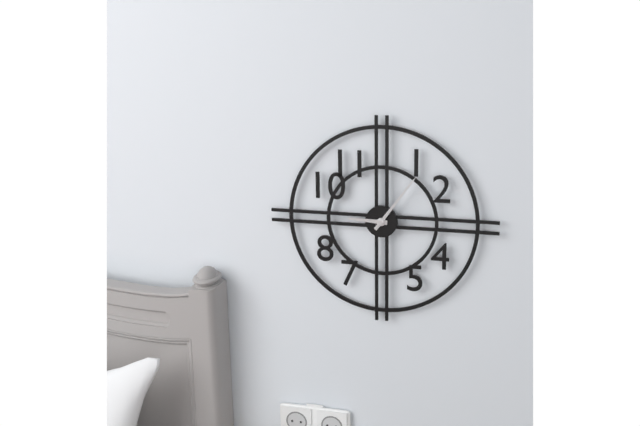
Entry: 9:06
